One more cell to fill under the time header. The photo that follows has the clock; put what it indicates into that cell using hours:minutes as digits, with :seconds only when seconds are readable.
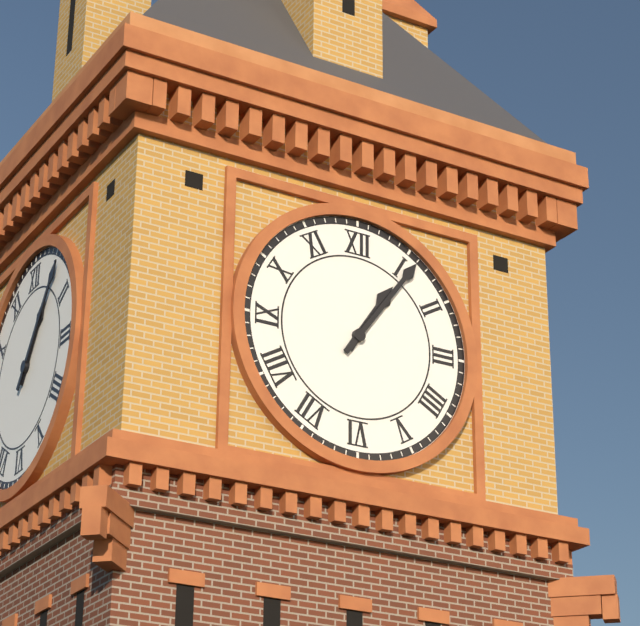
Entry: 1:06
